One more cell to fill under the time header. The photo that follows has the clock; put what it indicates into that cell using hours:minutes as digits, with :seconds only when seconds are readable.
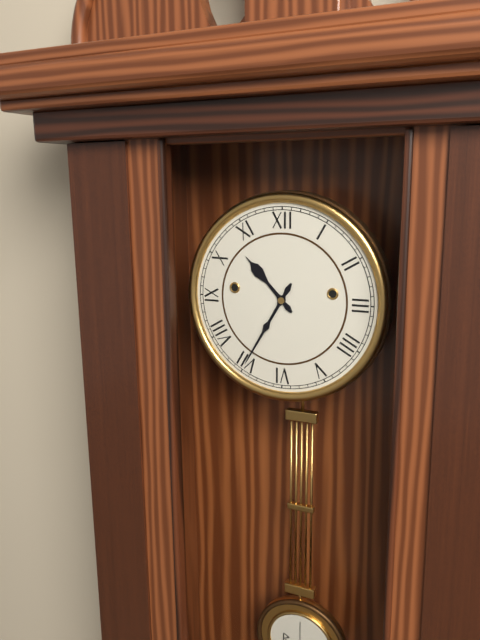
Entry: 10:35
